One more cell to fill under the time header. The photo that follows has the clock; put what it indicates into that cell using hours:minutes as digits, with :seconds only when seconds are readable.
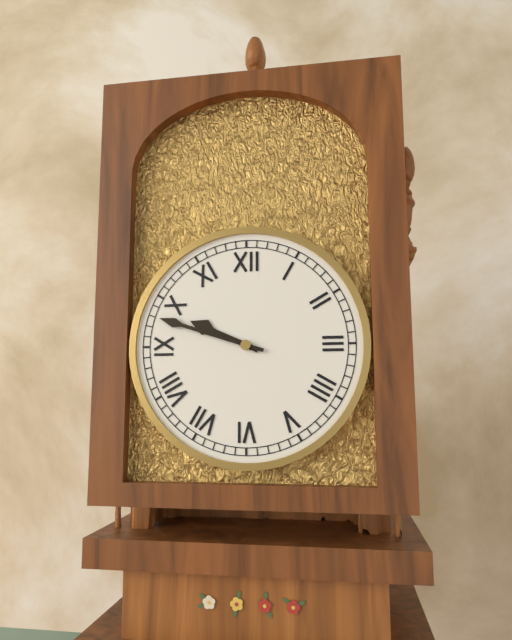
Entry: 9:48
